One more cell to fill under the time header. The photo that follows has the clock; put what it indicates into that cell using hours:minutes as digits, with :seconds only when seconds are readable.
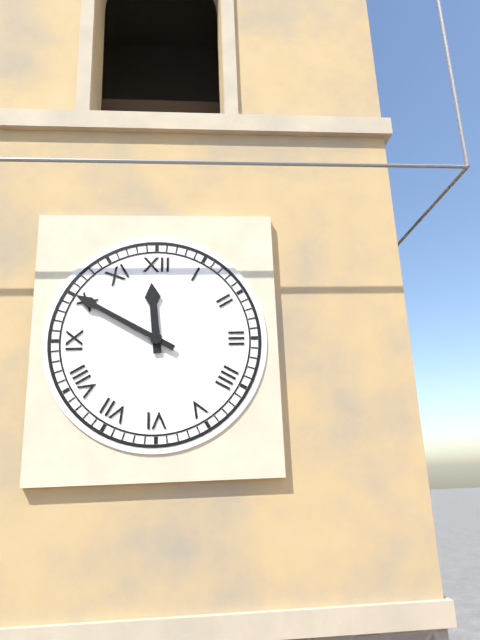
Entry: 11:50
